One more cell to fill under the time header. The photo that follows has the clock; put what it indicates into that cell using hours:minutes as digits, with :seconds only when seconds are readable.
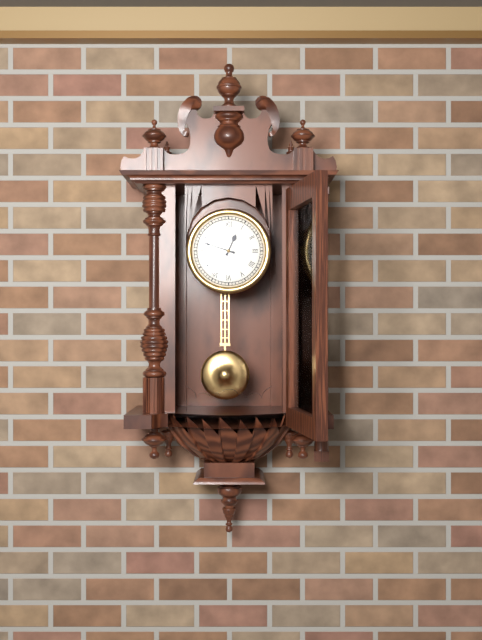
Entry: 12:48
